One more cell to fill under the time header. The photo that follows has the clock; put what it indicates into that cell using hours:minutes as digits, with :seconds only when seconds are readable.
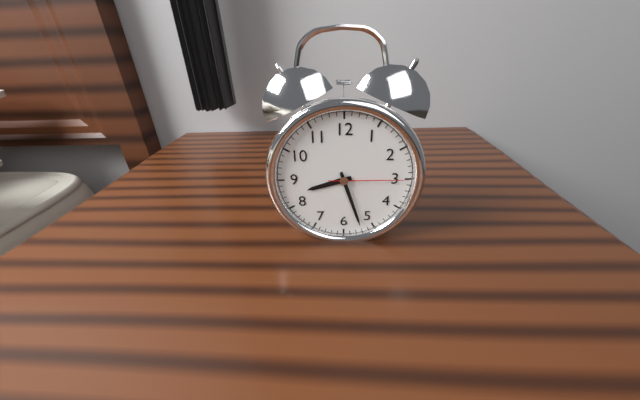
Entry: 8:27:15
